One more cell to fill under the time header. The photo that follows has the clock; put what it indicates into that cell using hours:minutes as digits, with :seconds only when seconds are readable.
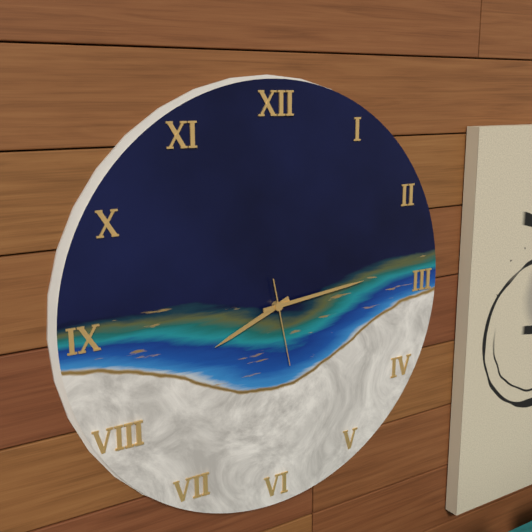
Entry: 8:14:28
